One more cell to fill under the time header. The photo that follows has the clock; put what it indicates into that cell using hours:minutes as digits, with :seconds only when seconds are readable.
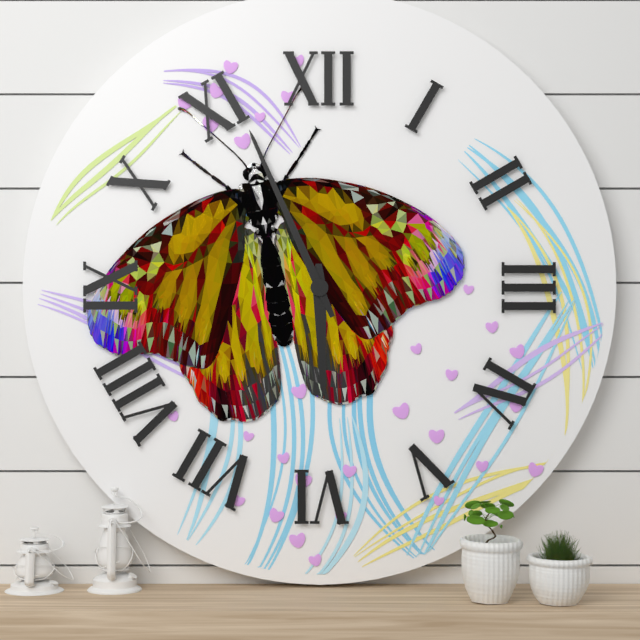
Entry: 5:56
